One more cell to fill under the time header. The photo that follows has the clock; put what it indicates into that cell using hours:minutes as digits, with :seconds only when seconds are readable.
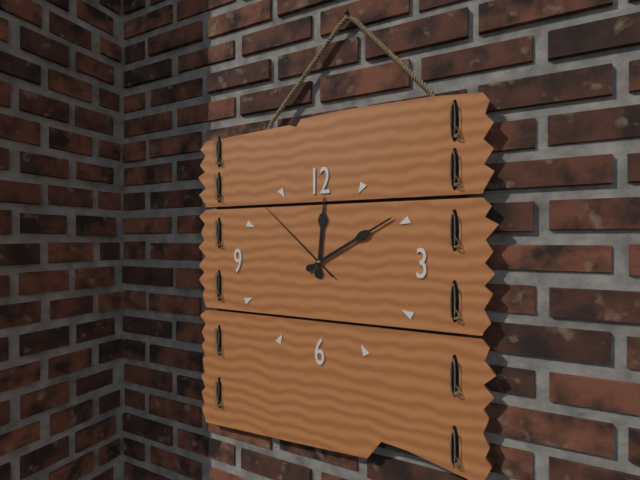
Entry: 12:10:52
